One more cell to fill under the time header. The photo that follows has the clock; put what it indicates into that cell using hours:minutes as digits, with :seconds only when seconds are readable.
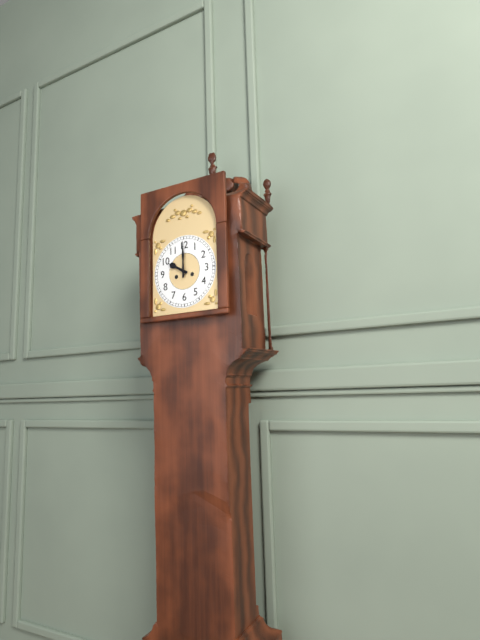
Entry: 10:00
